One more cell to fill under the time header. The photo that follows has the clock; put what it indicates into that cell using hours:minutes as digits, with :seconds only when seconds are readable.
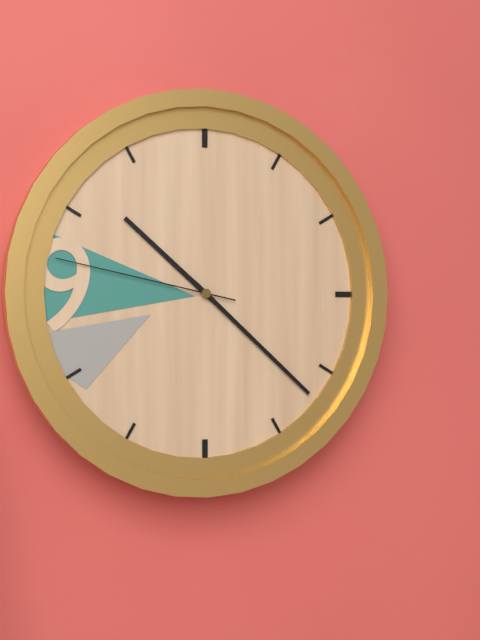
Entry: 10:22:47
